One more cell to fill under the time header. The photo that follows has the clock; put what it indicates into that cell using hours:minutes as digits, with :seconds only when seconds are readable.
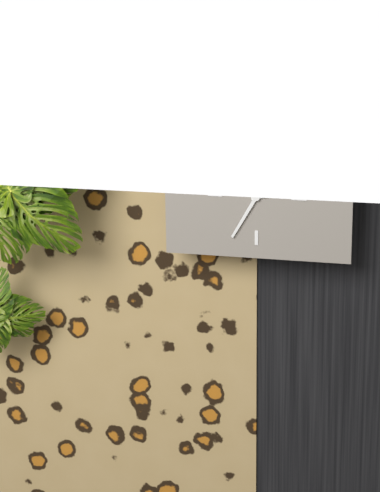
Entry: 2:35
